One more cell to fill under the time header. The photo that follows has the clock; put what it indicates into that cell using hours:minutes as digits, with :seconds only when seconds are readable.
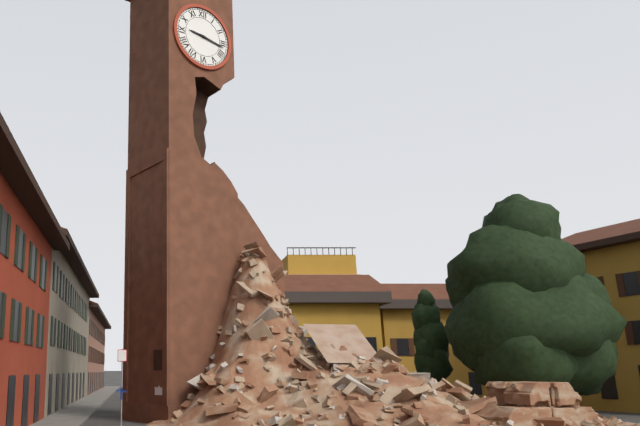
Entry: 9:17
